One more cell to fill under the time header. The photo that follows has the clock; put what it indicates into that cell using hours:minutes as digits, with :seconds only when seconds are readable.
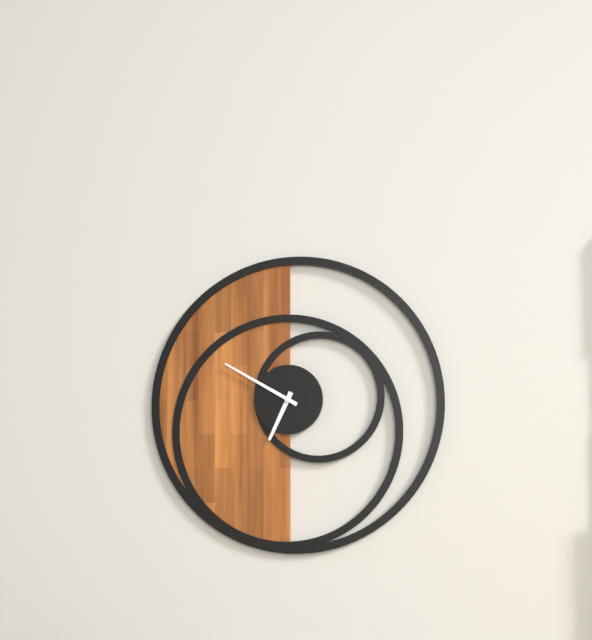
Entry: 6:50
